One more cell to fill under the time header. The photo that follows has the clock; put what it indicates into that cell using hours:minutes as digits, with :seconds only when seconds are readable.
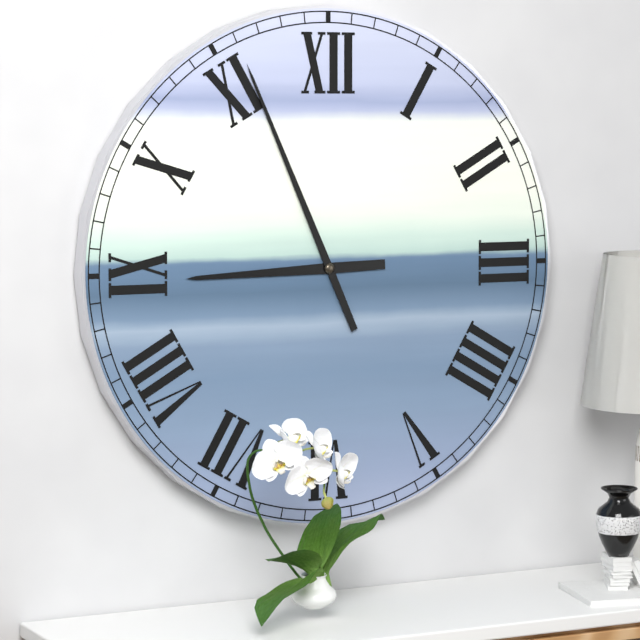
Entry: 8:56
